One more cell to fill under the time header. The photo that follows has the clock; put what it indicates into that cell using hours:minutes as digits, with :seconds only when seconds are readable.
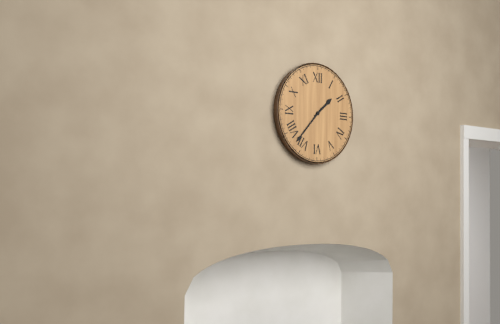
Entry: 1:37
